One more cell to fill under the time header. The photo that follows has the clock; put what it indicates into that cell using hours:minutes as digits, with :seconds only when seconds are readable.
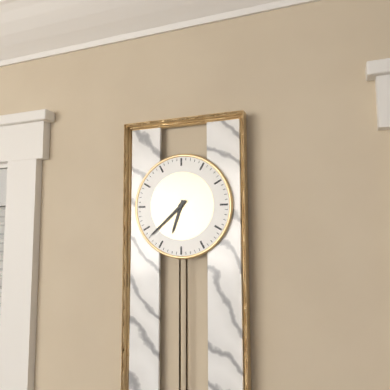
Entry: 6:38
